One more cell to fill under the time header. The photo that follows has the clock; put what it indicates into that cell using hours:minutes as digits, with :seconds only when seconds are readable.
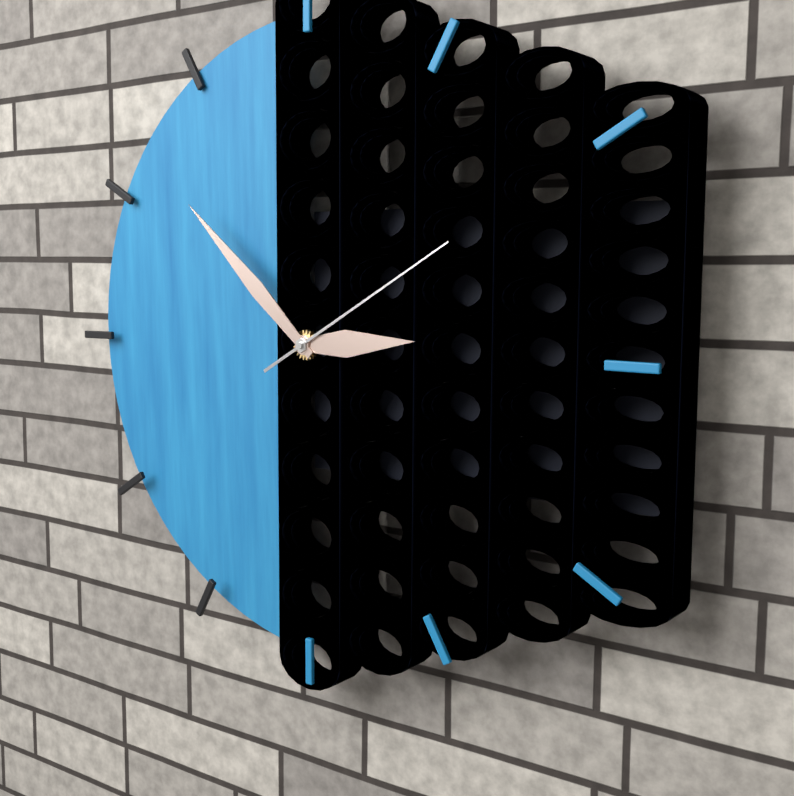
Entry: 2:52:10
